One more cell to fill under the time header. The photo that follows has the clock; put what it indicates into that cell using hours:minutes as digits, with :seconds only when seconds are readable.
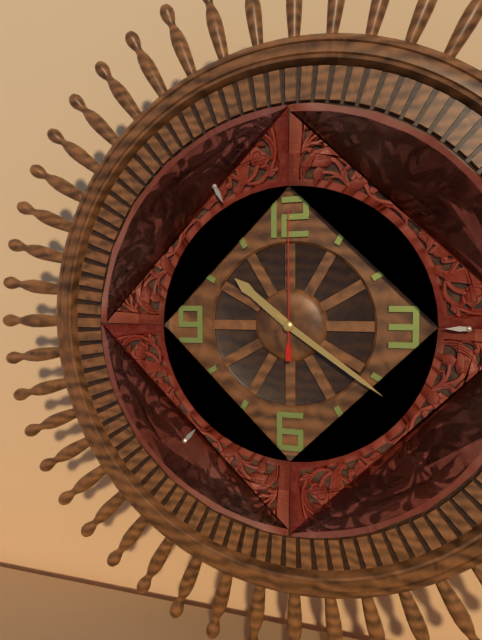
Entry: 10:21:00
